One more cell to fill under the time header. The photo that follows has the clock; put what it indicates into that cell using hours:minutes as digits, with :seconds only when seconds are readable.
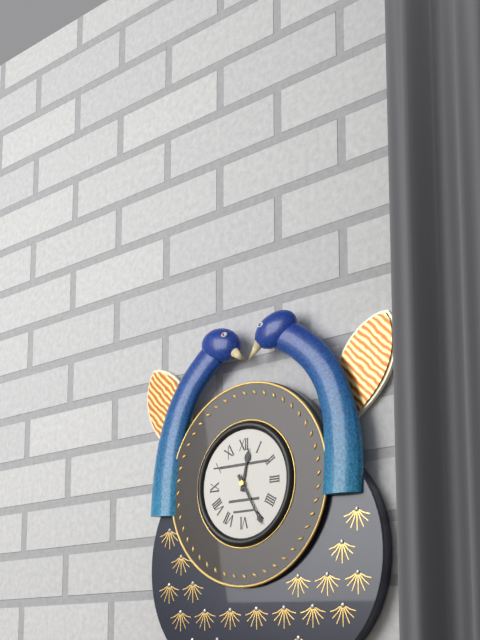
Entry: 12:25
